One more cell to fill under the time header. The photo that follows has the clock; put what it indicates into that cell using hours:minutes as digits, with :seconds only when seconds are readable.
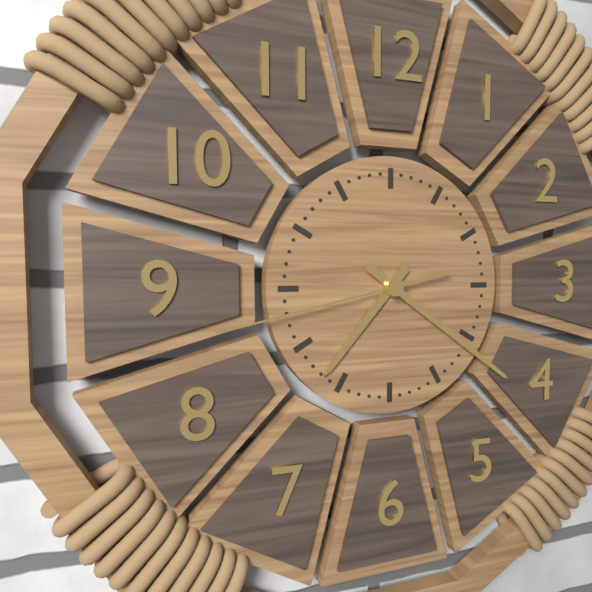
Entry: 7:21:43
